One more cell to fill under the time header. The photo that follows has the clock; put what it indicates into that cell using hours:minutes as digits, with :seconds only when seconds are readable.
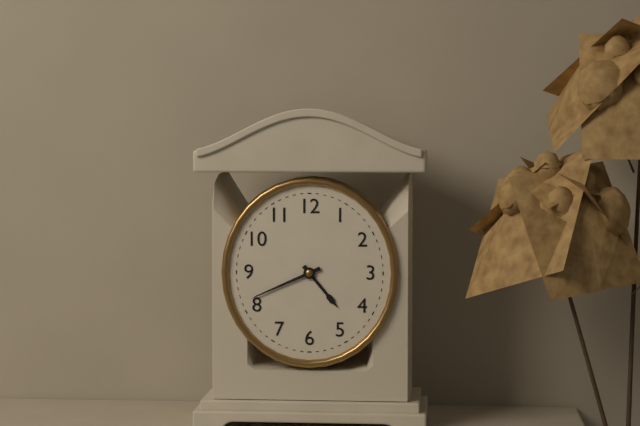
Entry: 4:41
